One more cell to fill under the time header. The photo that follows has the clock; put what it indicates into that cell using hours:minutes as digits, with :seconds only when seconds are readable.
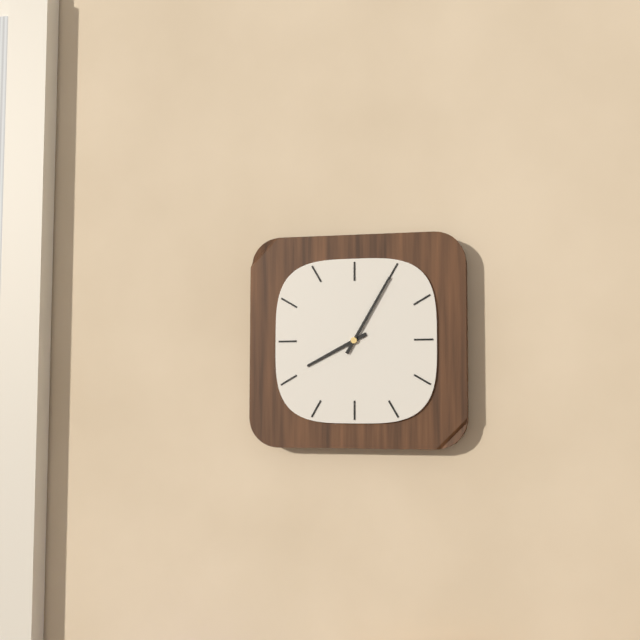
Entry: 8:05
